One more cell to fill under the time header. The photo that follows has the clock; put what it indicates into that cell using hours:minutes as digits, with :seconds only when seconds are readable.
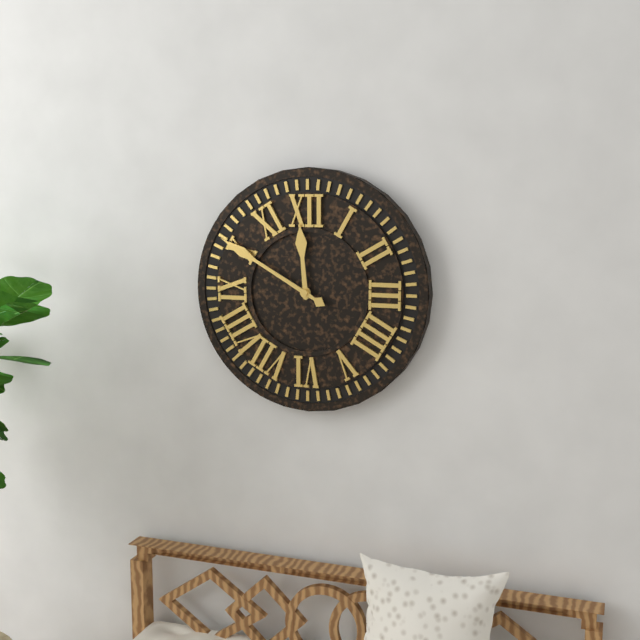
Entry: 11:50
